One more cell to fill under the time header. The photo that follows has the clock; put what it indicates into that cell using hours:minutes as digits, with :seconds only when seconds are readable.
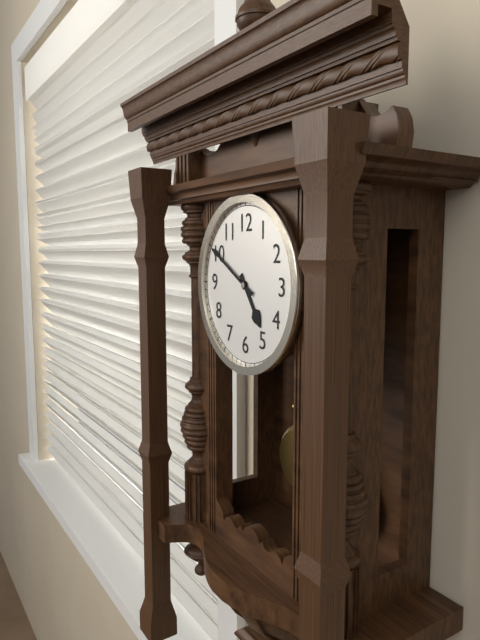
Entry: 4:50
